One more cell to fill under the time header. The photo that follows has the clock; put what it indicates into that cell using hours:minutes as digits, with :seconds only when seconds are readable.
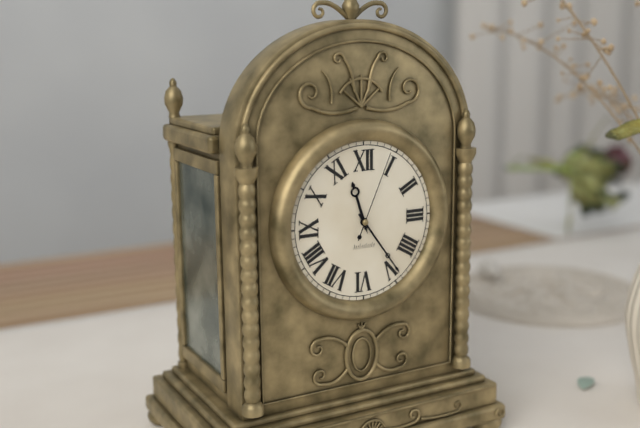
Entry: 11:24:04
